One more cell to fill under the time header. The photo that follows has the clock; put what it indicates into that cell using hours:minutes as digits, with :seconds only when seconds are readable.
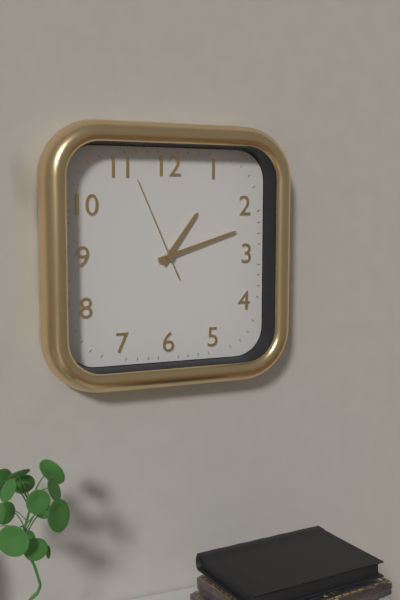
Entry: 1:12:56
